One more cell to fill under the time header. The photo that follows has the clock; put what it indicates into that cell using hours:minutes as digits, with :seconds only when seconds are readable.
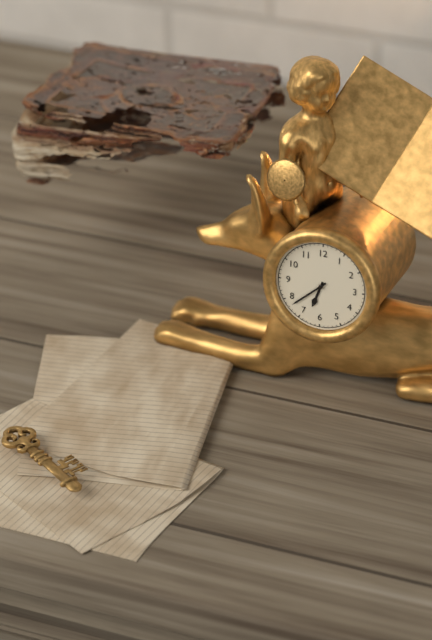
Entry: 6:38
